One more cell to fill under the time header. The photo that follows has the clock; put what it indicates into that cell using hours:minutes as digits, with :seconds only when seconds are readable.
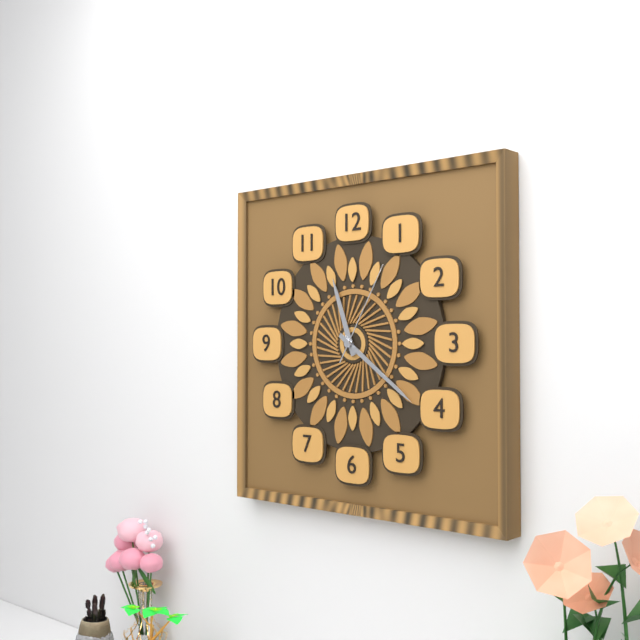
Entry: 11:21:05
